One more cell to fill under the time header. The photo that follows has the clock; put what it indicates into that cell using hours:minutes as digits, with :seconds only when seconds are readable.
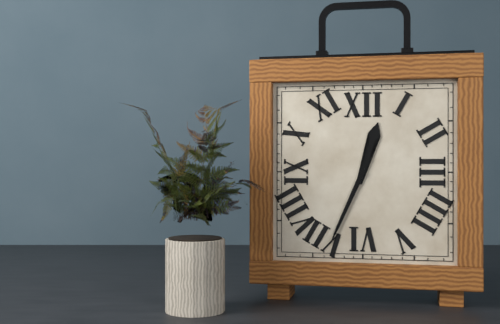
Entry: 12:34
